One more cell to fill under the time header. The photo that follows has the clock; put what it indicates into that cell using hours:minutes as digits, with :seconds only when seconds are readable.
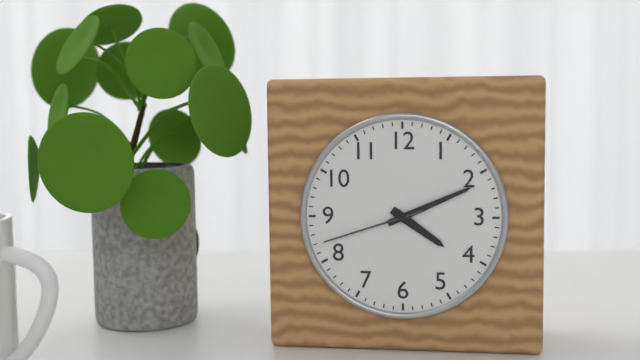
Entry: 4:11:42
